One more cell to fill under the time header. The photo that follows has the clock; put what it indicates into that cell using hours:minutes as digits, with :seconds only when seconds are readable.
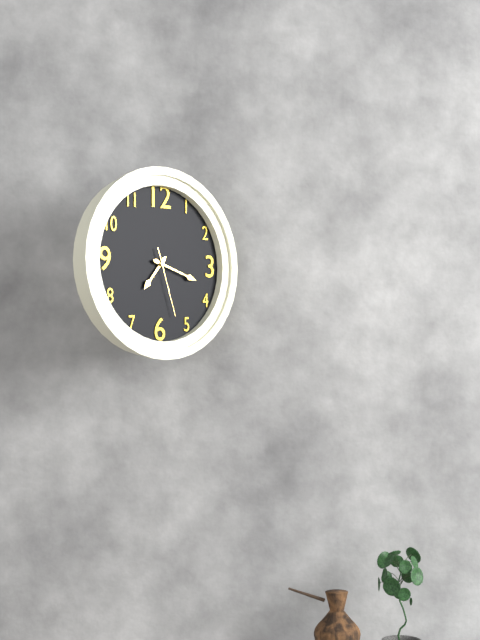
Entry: 7:18:27
